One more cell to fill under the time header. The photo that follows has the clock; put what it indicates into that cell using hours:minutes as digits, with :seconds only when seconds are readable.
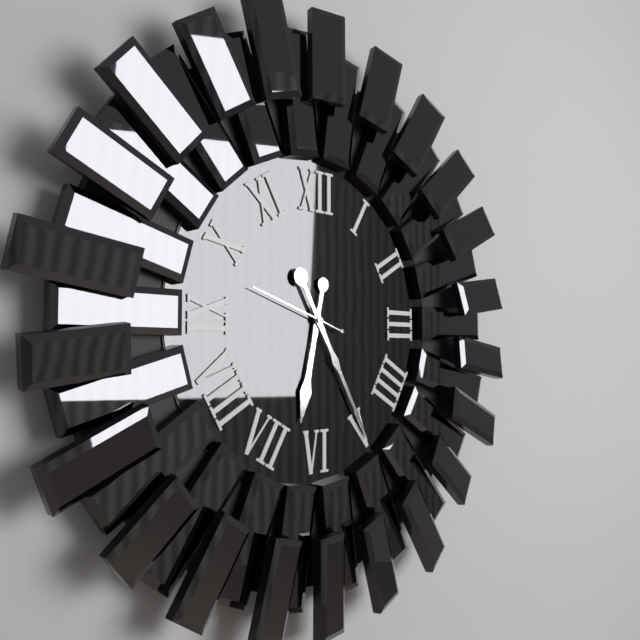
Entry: 6:25:48
